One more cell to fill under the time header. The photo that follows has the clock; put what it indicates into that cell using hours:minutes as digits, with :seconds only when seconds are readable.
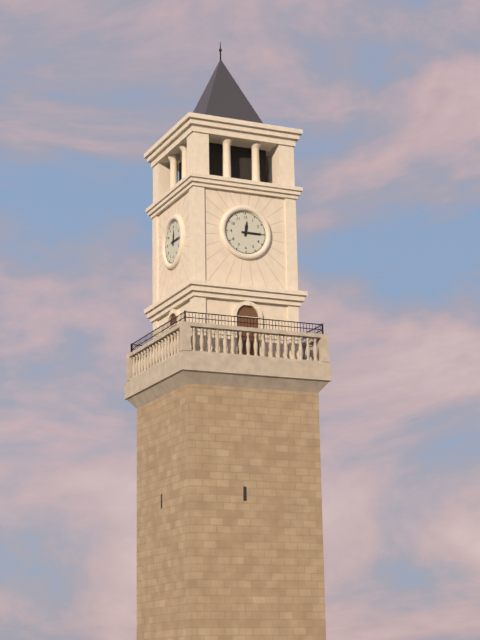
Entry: 12:15
